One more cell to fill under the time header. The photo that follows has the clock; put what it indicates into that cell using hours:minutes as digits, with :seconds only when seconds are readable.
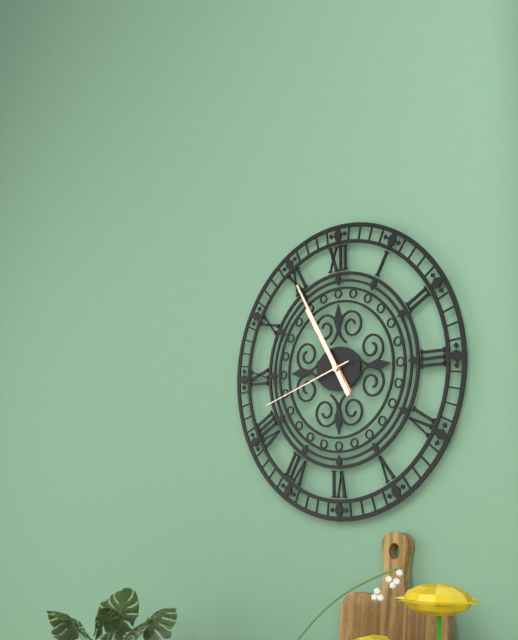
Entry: 10:55:42
